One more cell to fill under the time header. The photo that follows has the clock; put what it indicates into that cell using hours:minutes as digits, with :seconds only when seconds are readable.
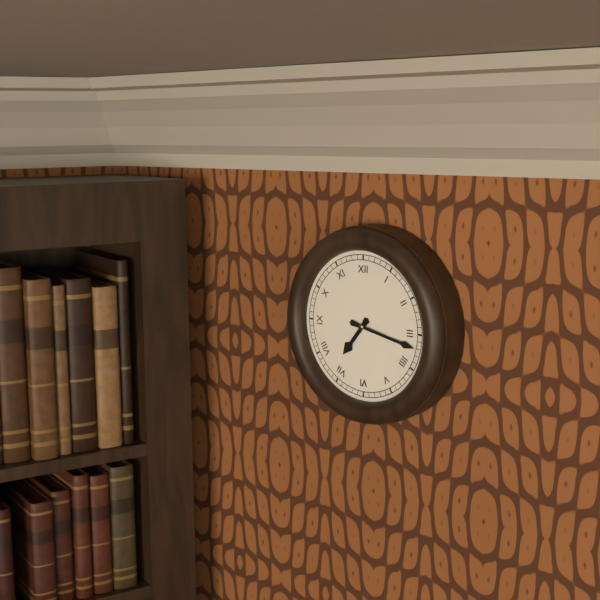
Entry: 7:17
